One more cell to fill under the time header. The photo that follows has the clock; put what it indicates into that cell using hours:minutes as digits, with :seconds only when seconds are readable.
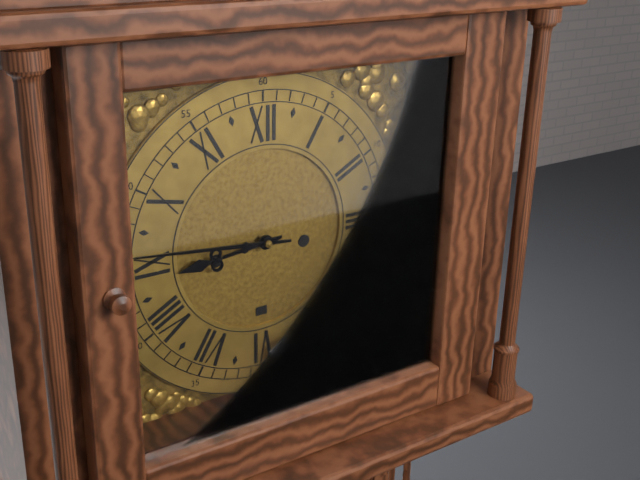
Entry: 8:46
